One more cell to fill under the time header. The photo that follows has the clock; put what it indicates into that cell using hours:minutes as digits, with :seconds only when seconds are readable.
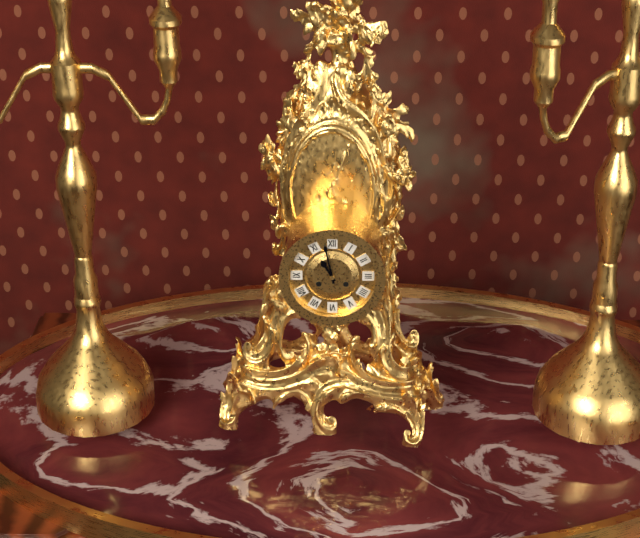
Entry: 10:58
